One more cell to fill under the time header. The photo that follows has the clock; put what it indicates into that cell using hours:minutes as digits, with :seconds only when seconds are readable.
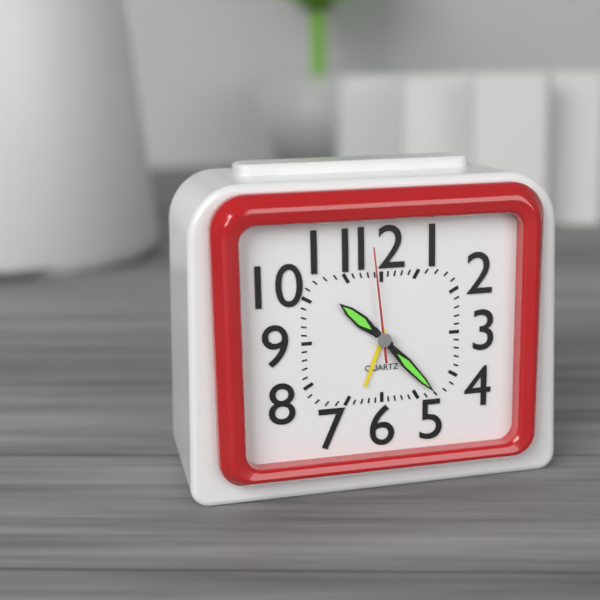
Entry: 10:23:59
